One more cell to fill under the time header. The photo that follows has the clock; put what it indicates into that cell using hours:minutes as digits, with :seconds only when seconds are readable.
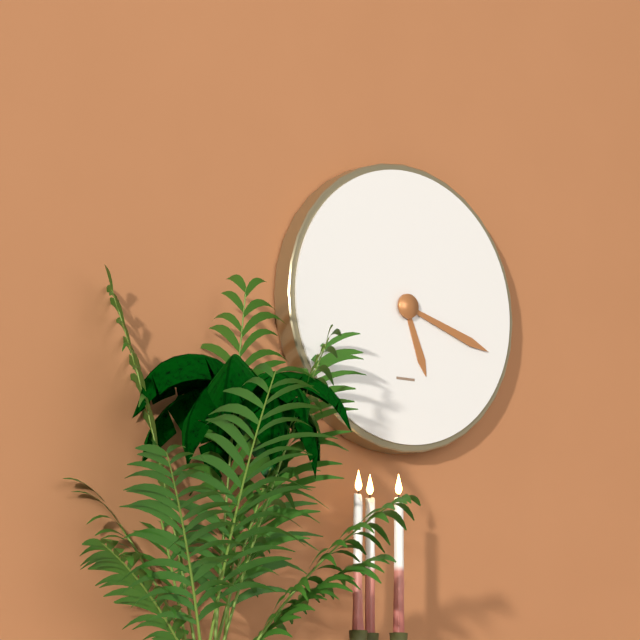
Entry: 5:18
